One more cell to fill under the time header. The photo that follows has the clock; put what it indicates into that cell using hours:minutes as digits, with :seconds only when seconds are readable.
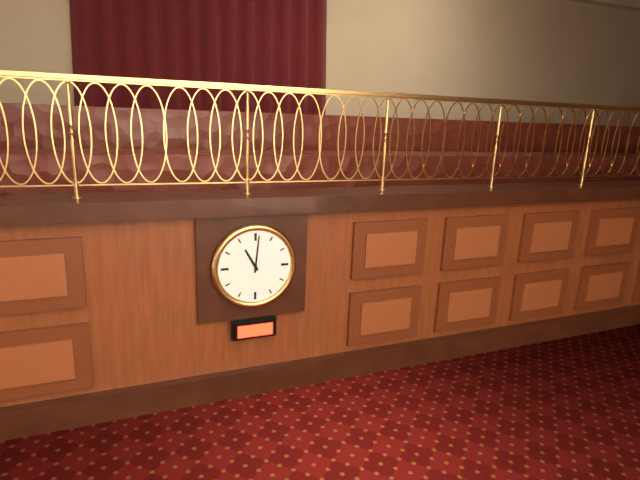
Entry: 11:01
